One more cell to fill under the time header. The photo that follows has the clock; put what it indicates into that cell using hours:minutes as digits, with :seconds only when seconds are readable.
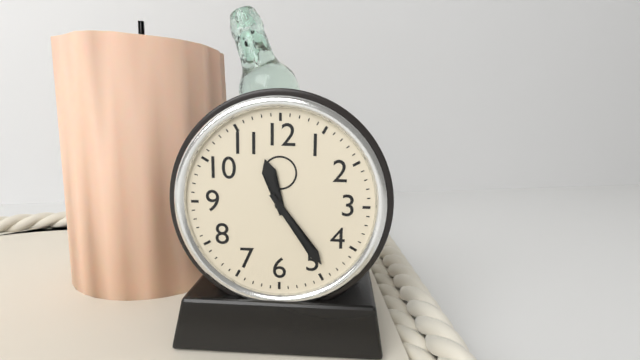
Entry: 11:24
